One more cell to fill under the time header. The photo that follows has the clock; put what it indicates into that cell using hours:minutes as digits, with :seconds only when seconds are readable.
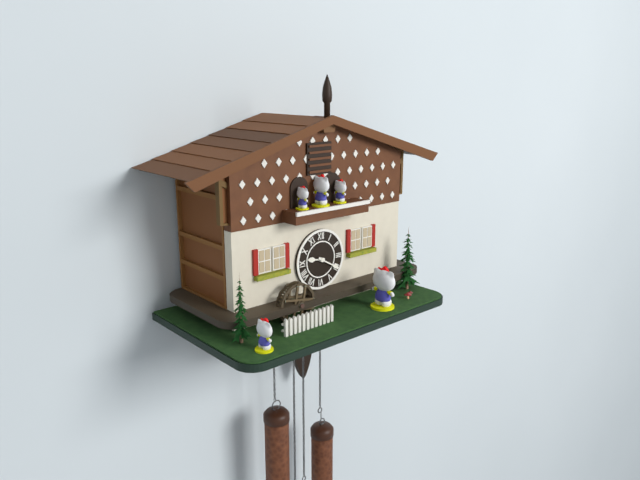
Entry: 9:20
